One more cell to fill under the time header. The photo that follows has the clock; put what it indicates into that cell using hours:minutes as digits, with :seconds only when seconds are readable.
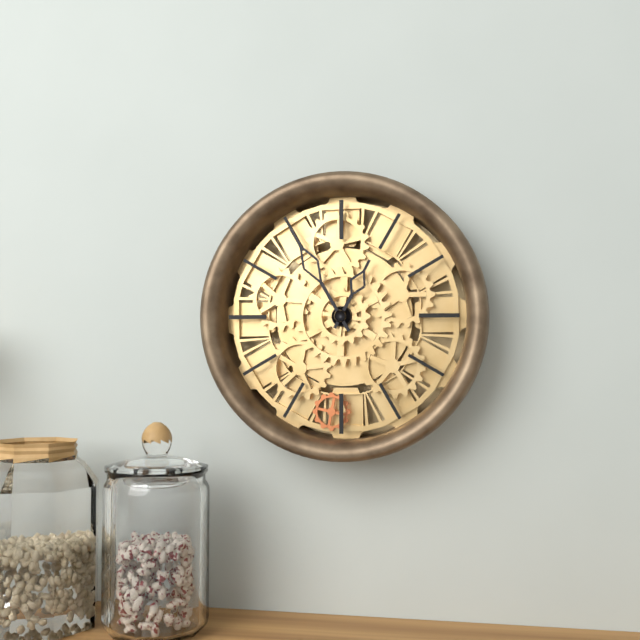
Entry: 12:55
